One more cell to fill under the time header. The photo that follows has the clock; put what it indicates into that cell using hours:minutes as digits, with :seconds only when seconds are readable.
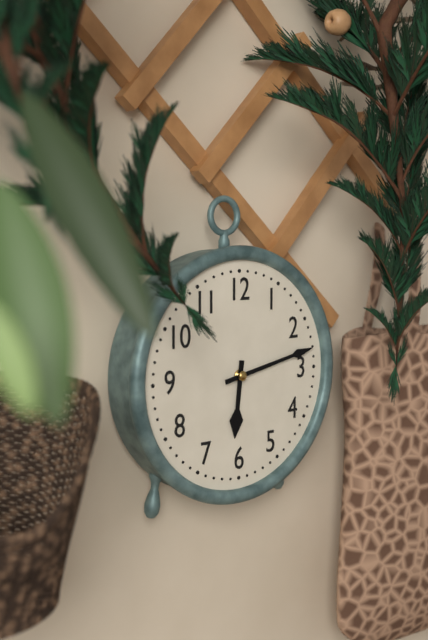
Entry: 6:13
